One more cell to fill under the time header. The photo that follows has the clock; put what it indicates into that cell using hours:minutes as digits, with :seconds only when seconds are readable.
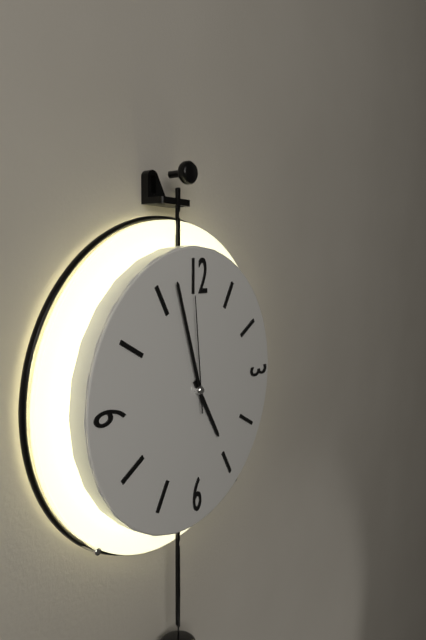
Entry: 4:57:59
